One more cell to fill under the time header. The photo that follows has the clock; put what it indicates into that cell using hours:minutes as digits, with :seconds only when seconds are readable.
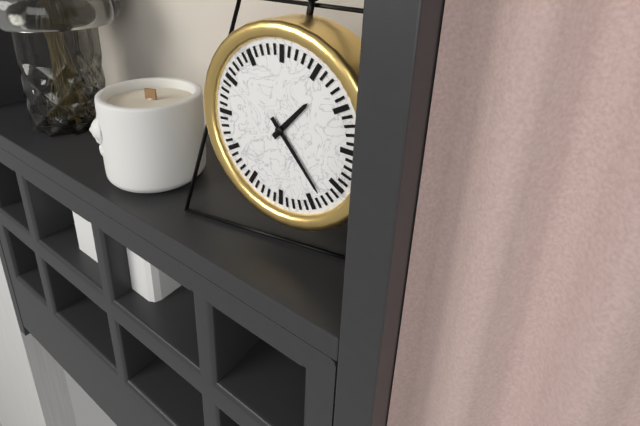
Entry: 1:23
